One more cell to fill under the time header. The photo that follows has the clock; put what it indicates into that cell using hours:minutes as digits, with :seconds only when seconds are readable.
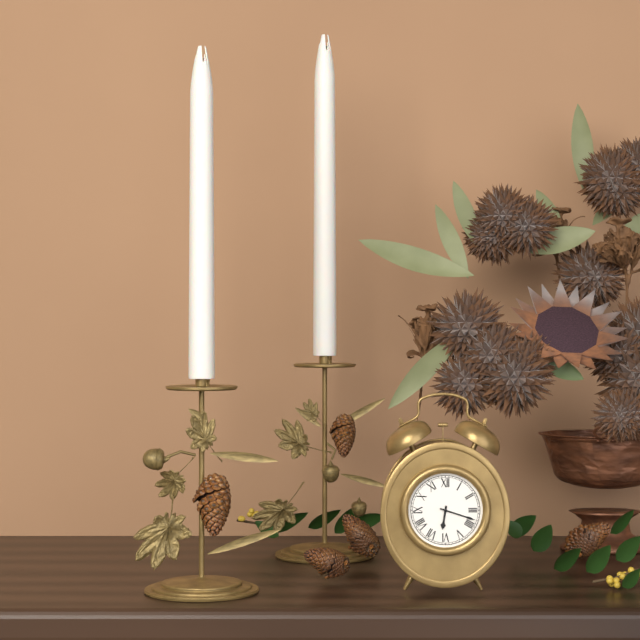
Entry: 6:18
